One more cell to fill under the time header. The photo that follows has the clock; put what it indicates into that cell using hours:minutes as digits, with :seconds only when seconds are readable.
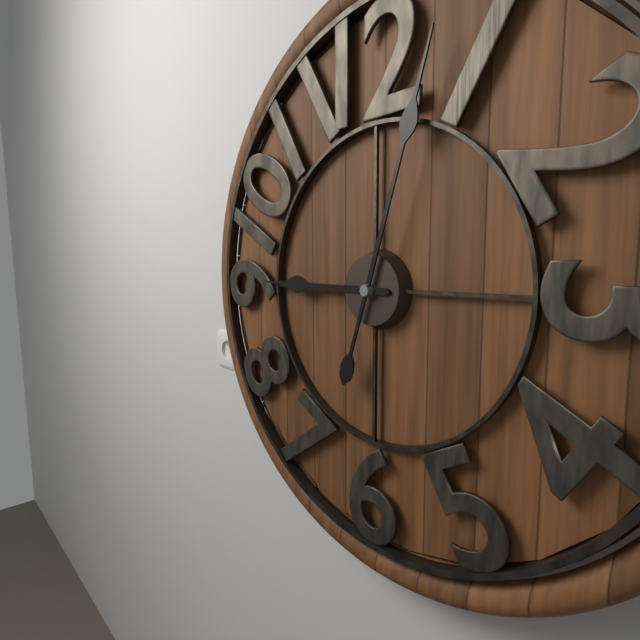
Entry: 9:03
